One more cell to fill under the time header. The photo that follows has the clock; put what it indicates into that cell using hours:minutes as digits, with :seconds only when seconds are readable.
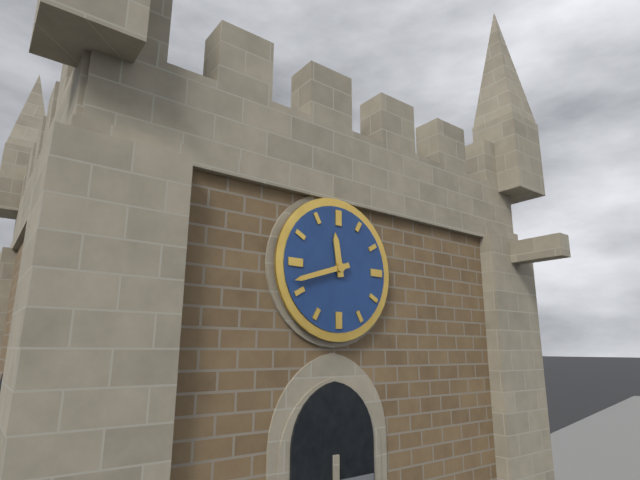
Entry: 11:42
